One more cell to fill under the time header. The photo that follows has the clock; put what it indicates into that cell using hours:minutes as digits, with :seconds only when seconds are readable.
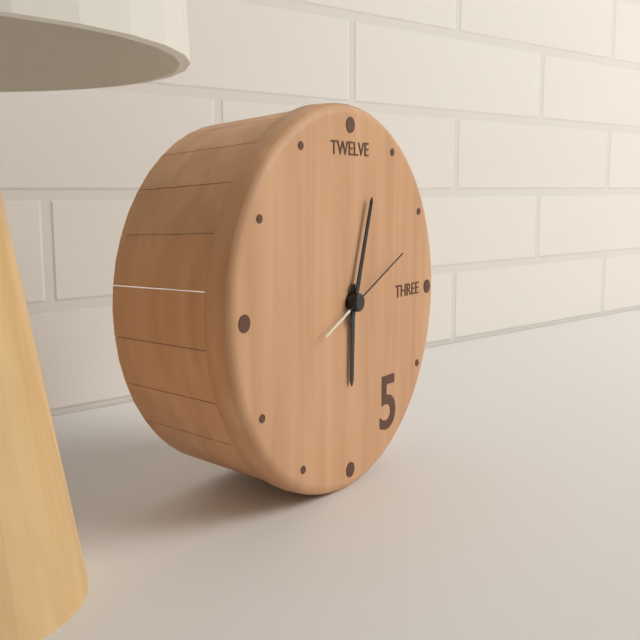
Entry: 6:03:11
